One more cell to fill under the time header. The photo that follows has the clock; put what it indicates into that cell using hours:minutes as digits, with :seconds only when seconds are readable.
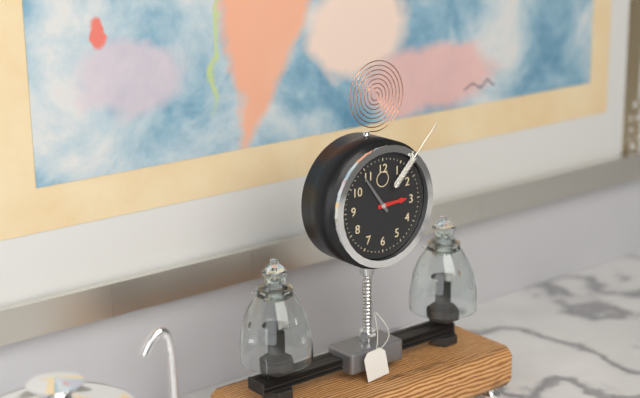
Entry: 2:54
